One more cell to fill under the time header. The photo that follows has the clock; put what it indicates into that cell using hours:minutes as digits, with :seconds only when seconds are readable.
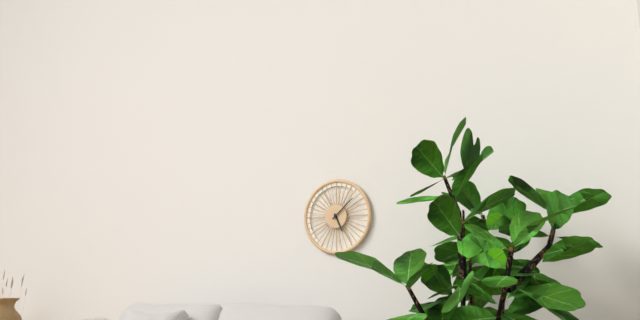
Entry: 5:08
